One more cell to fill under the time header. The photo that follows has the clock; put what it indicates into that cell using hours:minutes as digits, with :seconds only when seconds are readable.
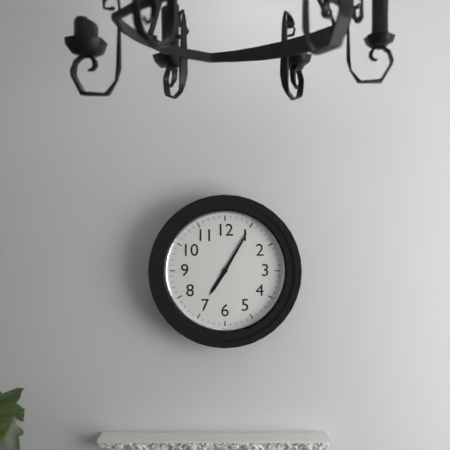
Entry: 7:05
